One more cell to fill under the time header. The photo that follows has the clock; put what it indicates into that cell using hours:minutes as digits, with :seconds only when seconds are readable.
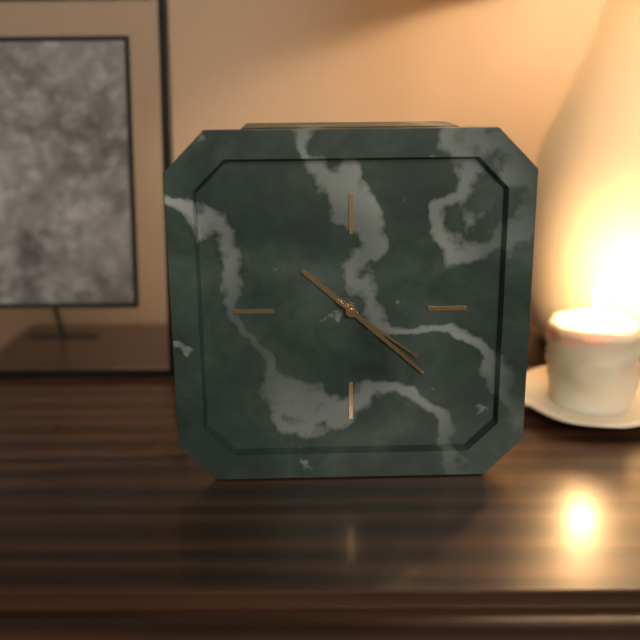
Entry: 10:22:21
